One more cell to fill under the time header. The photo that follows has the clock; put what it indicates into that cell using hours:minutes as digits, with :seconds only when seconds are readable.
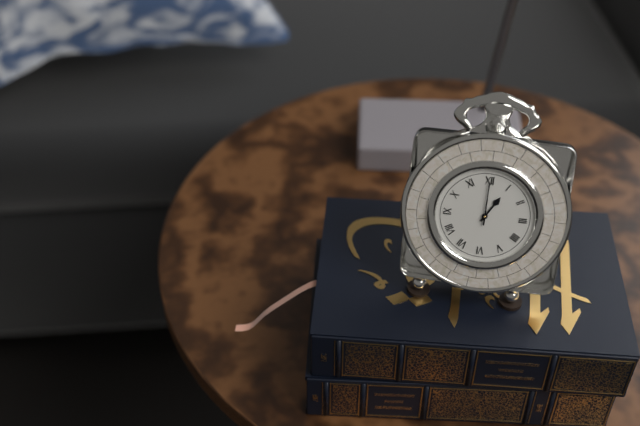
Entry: 1:00
